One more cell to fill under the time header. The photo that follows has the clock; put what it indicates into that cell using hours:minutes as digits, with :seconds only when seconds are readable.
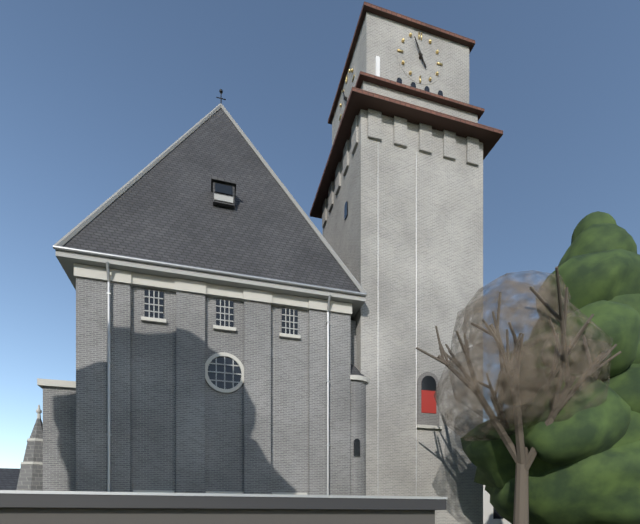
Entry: 4:56
